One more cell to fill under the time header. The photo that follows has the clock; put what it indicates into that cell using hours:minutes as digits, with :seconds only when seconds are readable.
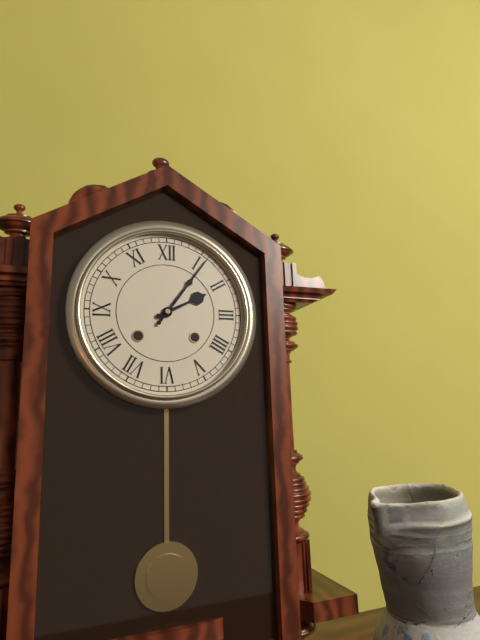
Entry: 2:06
